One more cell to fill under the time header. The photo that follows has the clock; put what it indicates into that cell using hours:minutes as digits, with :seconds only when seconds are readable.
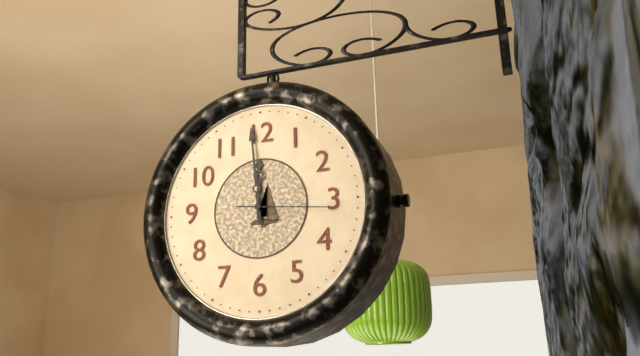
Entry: 11:59:16
